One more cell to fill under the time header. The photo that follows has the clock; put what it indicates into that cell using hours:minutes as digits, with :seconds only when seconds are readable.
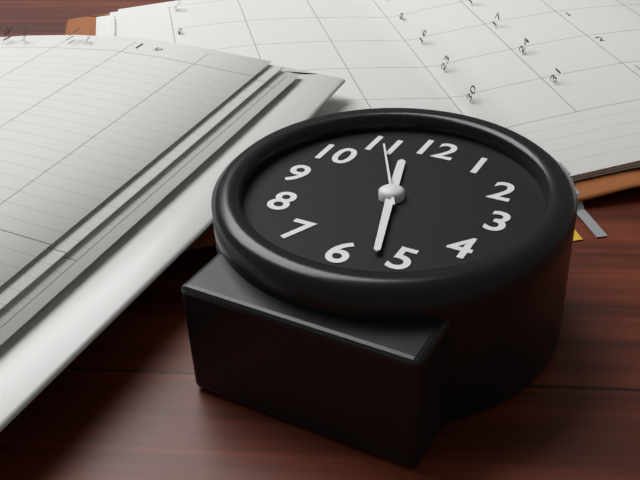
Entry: 11:27:55
